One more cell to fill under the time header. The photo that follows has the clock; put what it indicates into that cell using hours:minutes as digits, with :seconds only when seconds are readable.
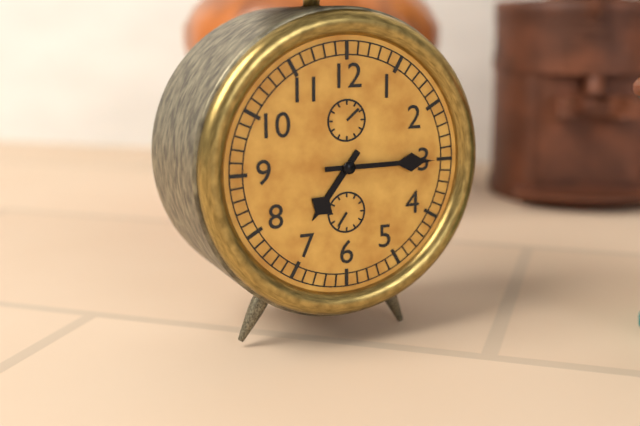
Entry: 7:15
